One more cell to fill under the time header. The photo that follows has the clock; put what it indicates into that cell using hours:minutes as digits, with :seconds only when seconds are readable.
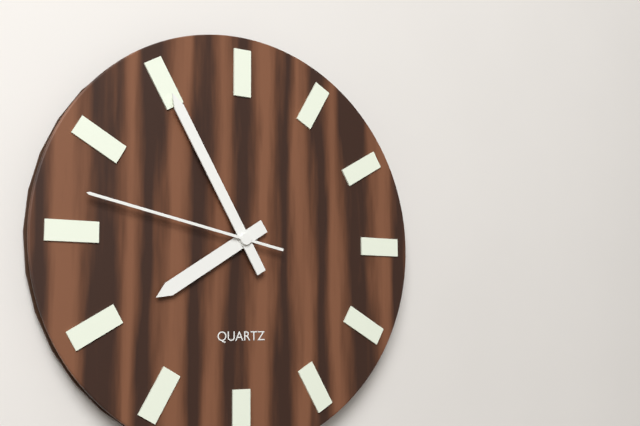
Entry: 7:55:47
